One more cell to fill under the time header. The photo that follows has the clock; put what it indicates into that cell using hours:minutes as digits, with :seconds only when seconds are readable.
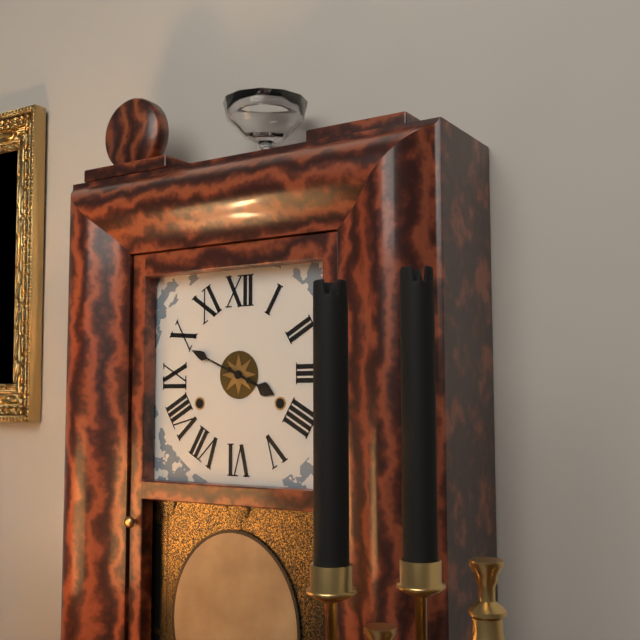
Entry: 3:49
